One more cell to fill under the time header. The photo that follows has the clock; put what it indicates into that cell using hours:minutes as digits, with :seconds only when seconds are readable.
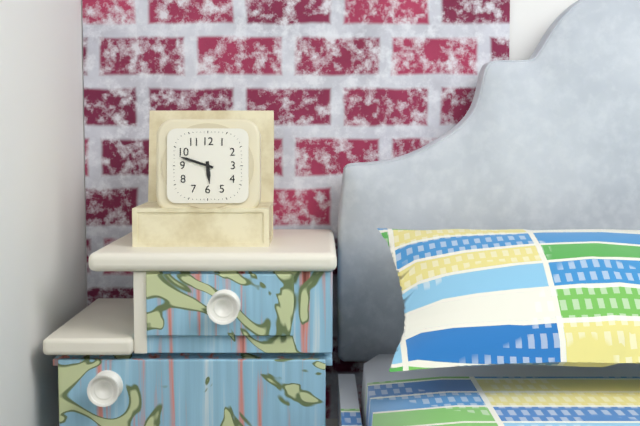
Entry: 5:48
